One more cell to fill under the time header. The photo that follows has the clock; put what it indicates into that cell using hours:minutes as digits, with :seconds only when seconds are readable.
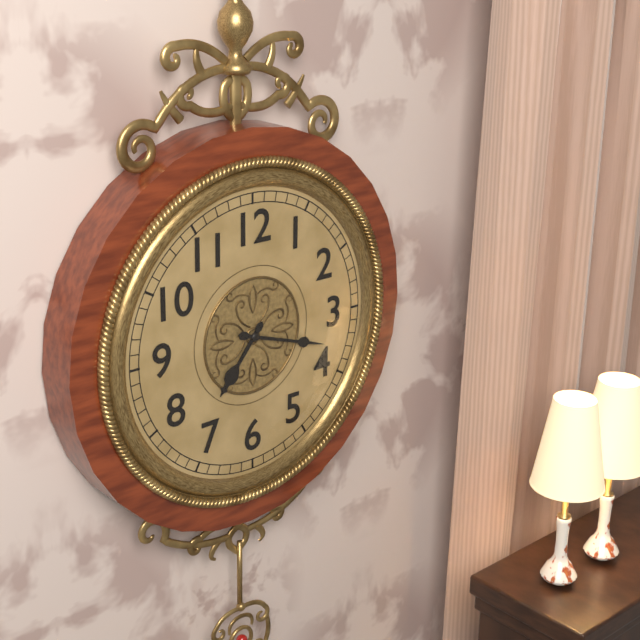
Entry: 7:18
